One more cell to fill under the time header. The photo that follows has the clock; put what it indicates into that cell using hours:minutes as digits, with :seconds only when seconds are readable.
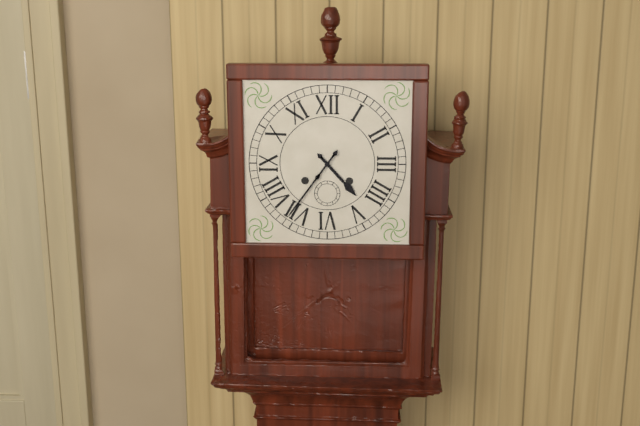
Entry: 4:36
